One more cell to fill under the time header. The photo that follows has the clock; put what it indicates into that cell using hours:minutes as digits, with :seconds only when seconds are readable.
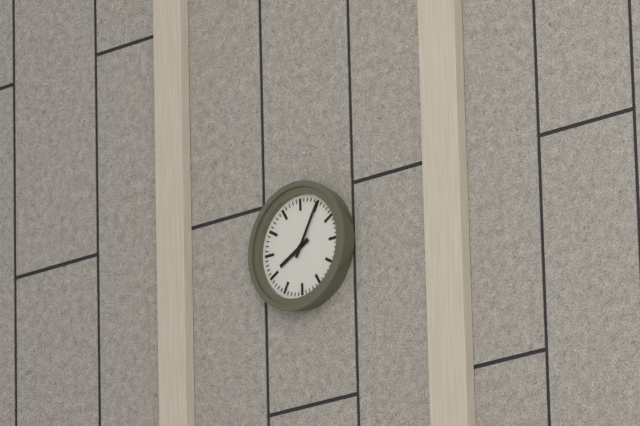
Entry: 8:05
